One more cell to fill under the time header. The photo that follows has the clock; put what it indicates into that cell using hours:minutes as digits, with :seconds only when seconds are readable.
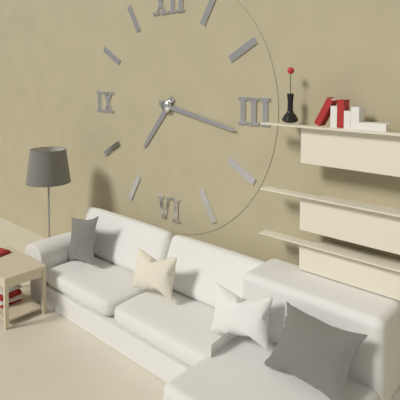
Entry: 7:17
